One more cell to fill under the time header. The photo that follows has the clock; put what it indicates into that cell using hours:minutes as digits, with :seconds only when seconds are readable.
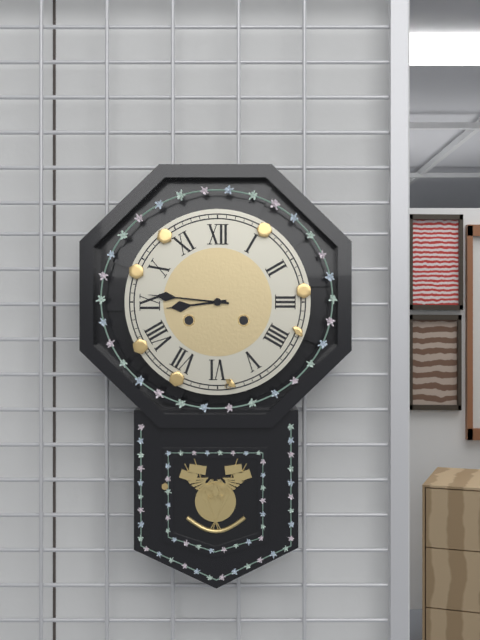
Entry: 8:46
